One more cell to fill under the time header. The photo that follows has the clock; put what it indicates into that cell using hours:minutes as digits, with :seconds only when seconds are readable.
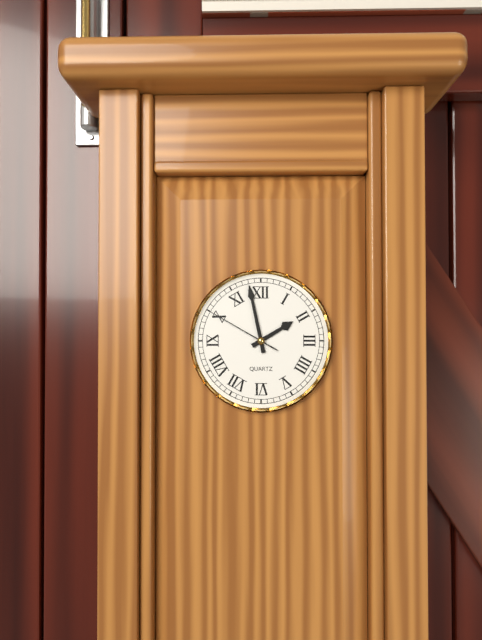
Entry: 1:58:50
